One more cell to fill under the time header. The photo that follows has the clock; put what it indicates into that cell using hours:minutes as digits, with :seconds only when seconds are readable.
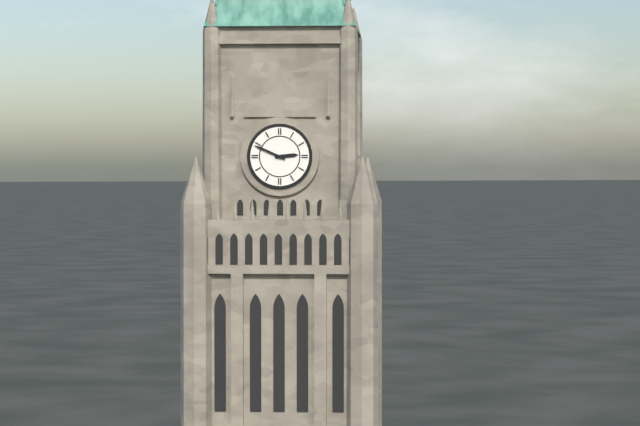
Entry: 2:49
